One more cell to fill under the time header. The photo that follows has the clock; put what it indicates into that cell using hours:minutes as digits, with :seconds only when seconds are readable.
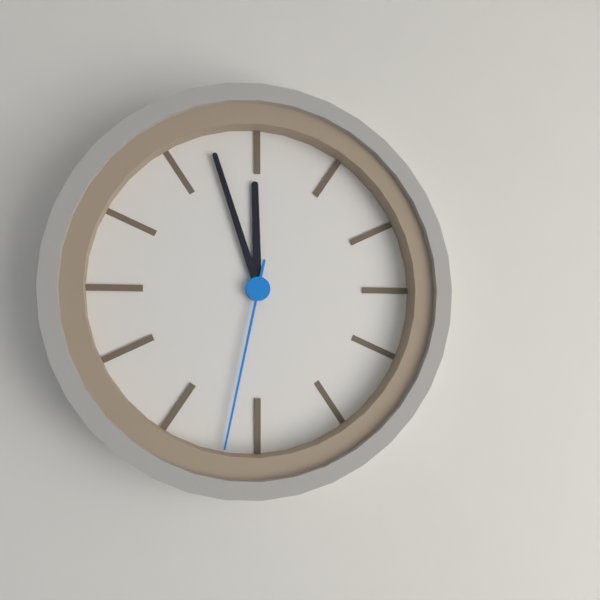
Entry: 11:57:32
